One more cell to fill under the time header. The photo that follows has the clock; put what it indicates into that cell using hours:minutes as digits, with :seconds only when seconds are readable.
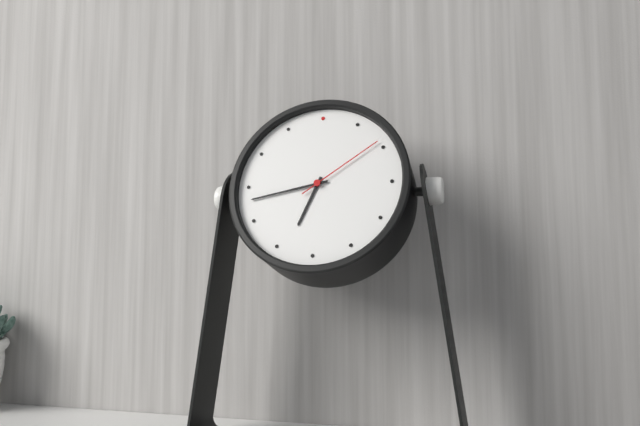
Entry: 6:43:09
